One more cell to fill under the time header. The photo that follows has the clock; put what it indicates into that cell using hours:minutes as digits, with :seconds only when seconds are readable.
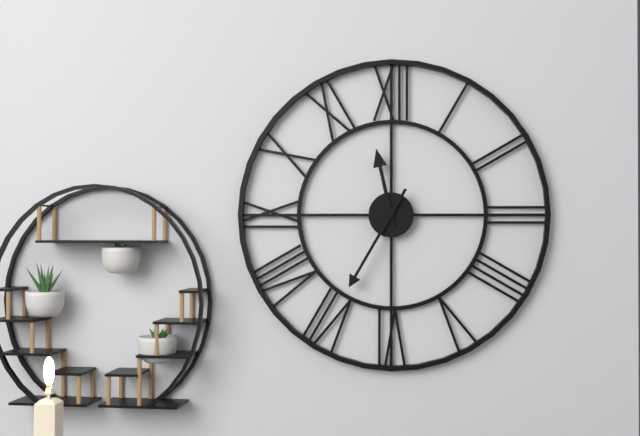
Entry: 11:35
